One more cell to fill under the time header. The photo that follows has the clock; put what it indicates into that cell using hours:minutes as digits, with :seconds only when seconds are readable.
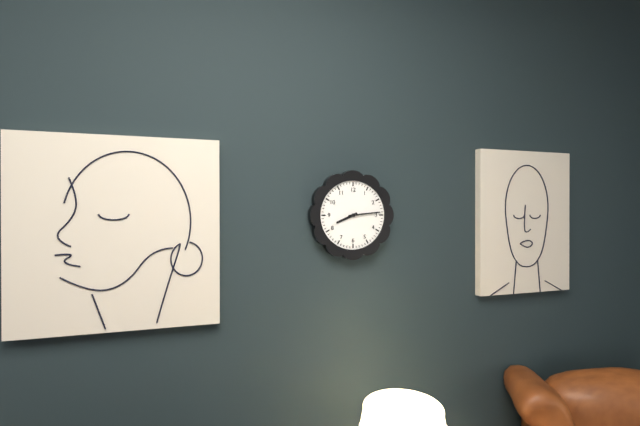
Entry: 8:14
